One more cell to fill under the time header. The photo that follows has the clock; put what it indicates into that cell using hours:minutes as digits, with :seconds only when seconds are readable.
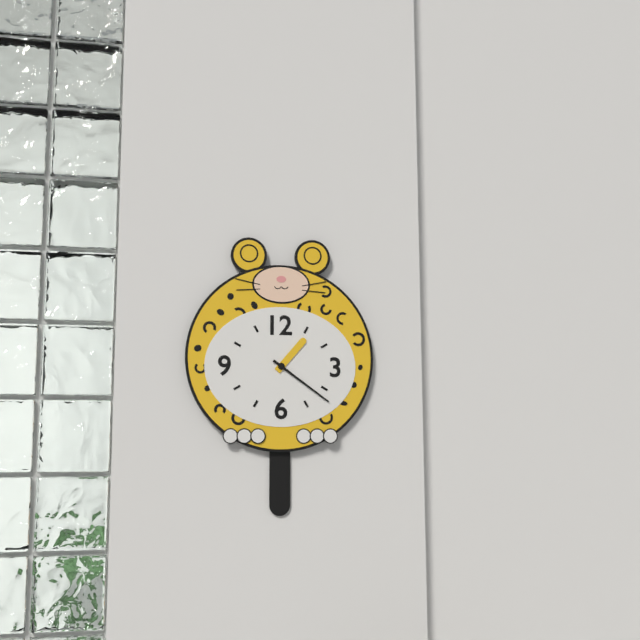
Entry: 1:21
